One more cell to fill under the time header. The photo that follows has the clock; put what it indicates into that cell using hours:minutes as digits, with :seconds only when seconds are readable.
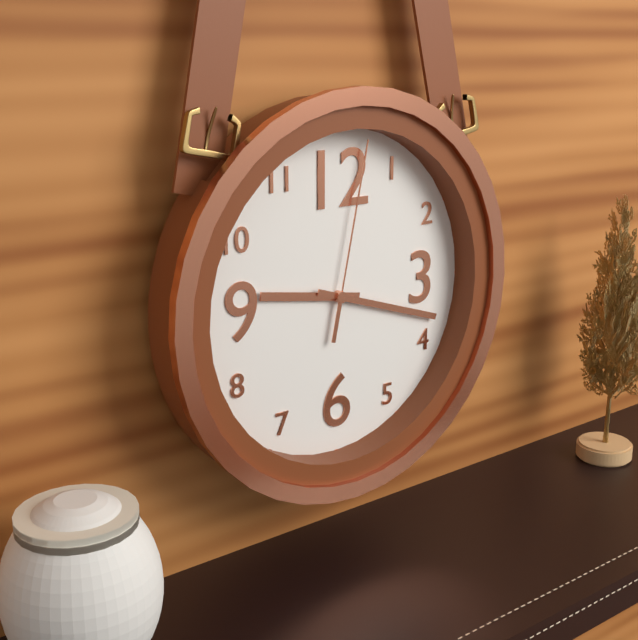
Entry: 9:18:02
